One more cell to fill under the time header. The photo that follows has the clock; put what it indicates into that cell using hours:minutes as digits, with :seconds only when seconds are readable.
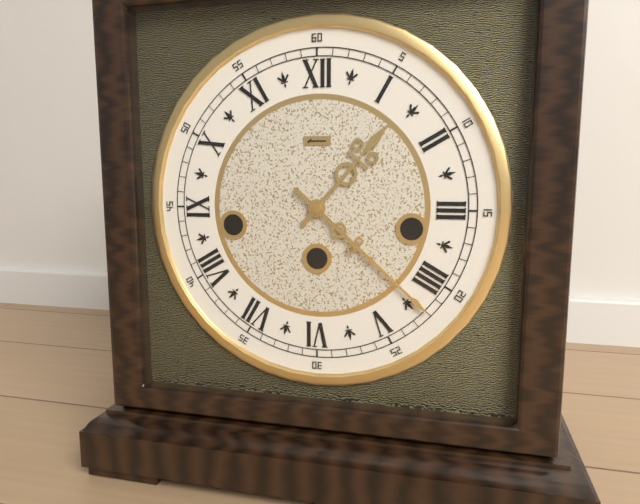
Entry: 1:22
